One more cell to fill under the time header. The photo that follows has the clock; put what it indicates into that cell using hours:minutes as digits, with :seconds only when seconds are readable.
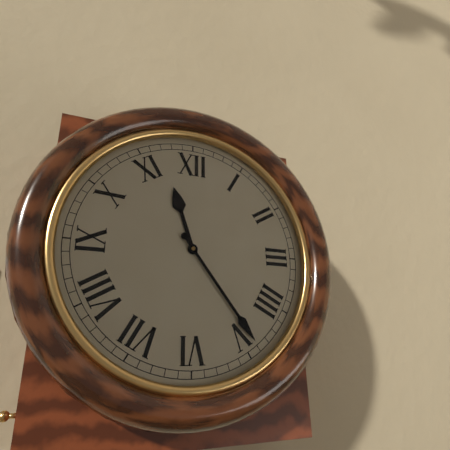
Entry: 11:24
